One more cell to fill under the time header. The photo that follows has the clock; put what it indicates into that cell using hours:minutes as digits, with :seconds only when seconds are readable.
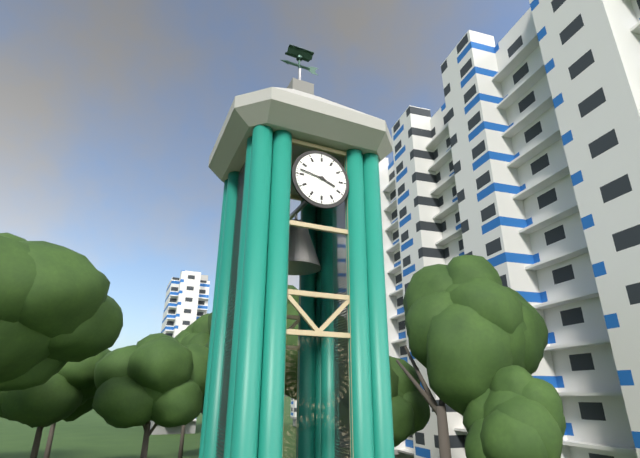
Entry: 3:47
